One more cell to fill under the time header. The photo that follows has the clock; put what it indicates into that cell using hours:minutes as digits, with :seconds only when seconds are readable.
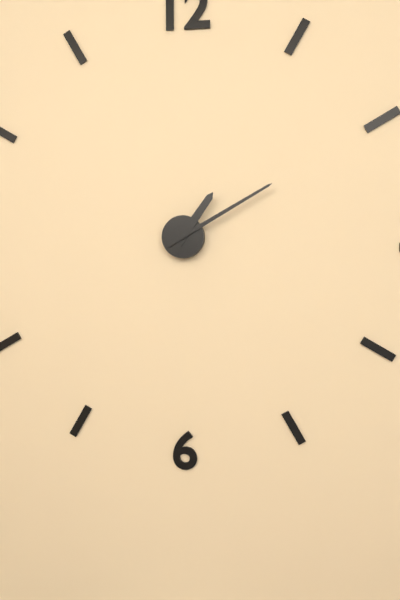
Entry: 1:10
